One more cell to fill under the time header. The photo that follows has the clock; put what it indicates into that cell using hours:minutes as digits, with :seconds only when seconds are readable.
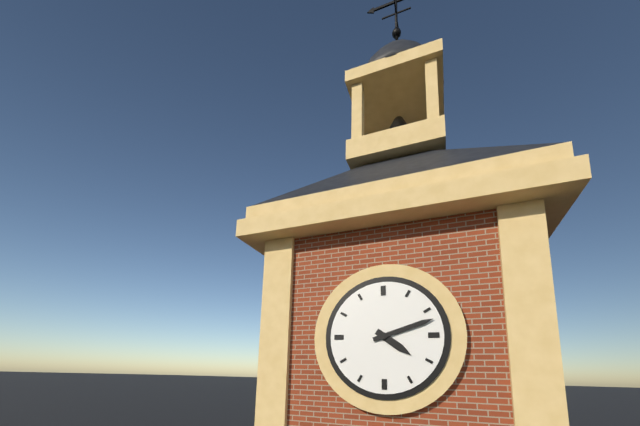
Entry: 4:12
